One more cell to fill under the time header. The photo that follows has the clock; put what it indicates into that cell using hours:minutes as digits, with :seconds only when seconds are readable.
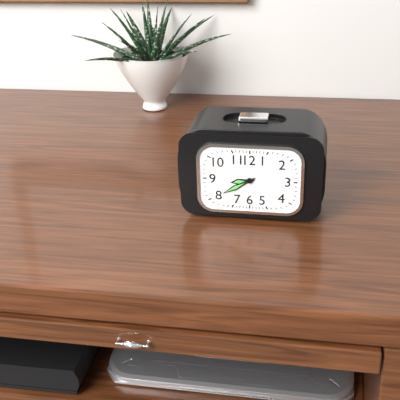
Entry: 8:40
